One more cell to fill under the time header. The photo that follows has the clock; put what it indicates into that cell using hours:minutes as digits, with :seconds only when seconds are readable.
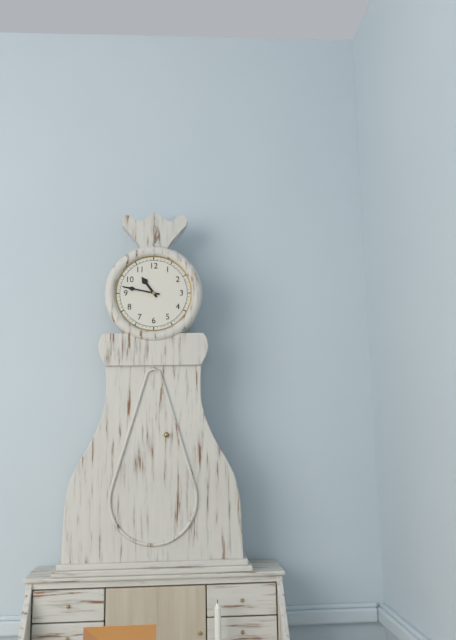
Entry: 10:47
